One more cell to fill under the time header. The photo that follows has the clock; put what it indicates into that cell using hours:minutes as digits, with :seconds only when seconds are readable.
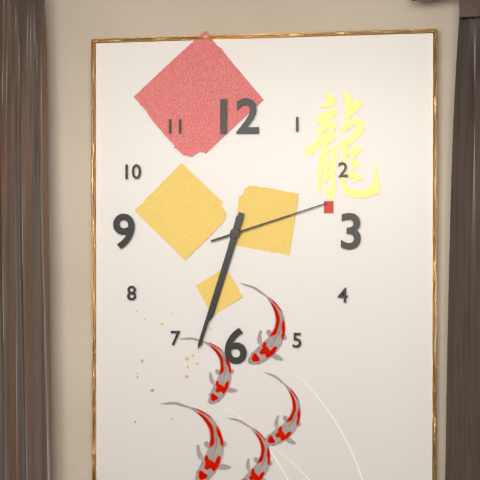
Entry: 6:33:12
